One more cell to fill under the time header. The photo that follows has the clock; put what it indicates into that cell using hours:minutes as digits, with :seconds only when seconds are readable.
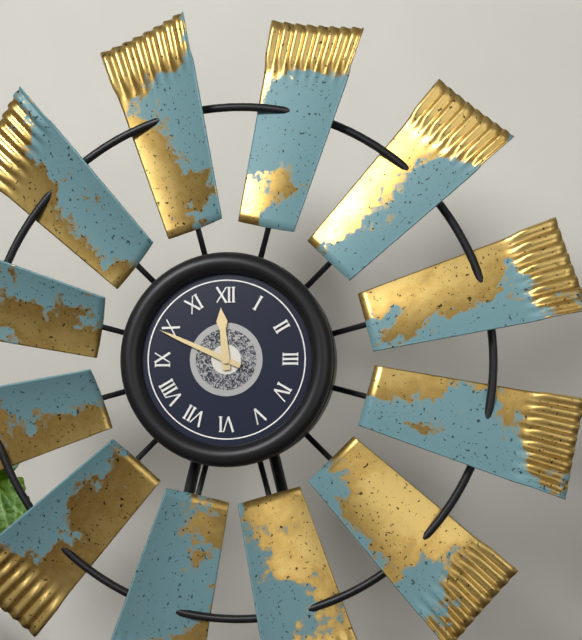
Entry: 11:49
